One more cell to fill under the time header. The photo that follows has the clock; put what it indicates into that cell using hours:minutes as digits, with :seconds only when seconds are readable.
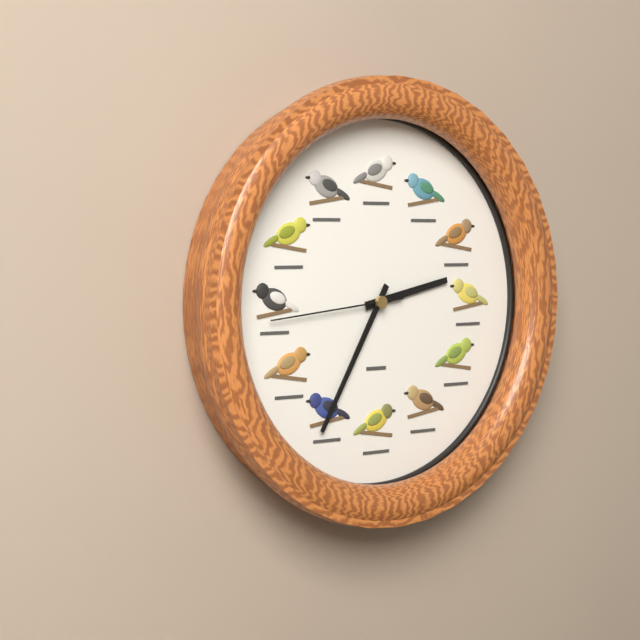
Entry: 2:35:44
